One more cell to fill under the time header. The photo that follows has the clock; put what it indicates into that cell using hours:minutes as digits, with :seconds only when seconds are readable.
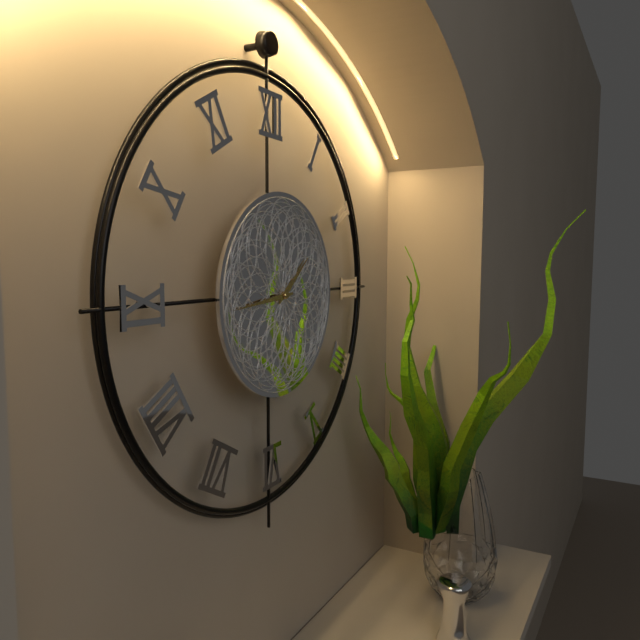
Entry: 1:44
